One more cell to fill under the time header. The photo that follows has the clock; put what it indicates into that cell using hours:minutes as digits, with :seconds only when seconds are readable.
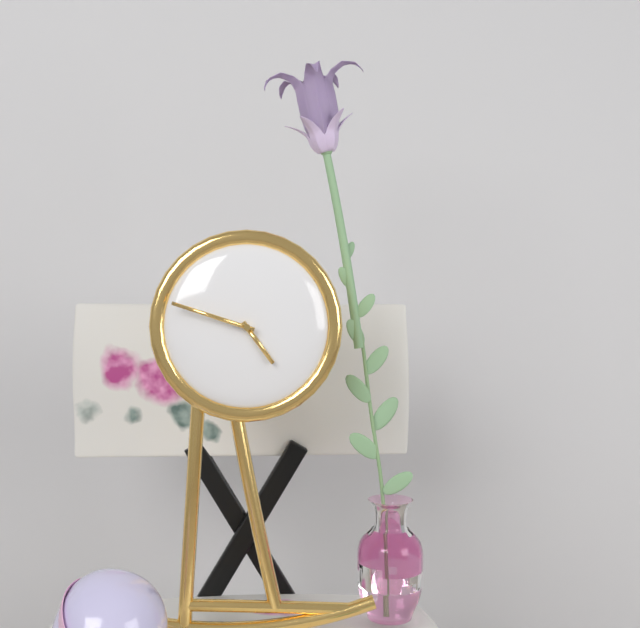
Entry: 4:48
